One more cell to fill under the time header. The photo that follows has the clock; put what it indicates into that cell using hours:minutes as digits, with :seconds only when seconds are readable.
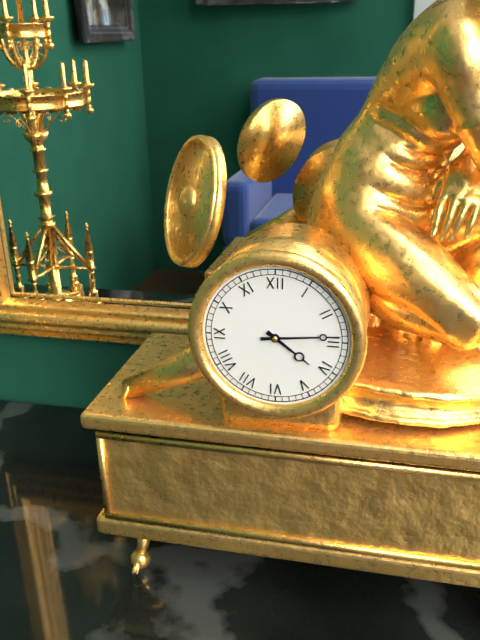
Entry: 4:14
